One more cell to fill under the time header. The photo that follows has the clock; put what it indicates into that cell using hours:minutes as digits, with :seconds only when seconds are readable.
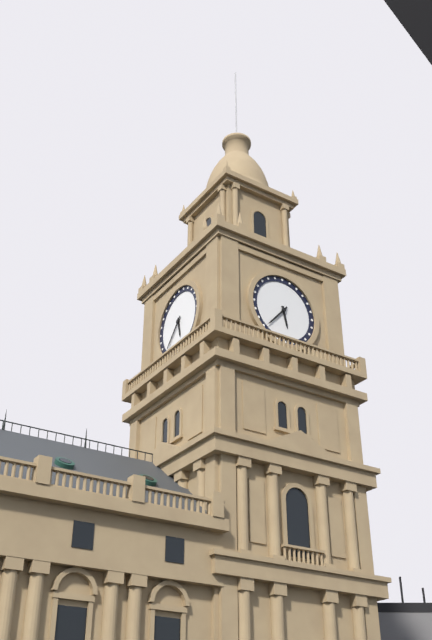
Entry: 5:37
